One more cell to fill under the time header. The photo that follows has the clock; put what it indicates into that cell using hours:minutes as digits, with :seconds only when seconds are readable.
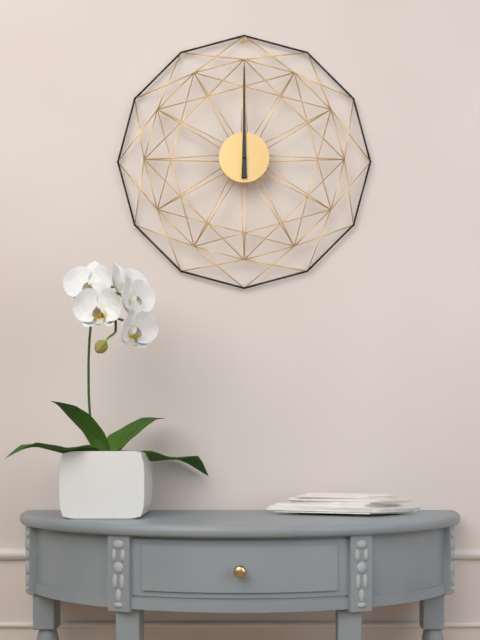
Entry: 12:00
